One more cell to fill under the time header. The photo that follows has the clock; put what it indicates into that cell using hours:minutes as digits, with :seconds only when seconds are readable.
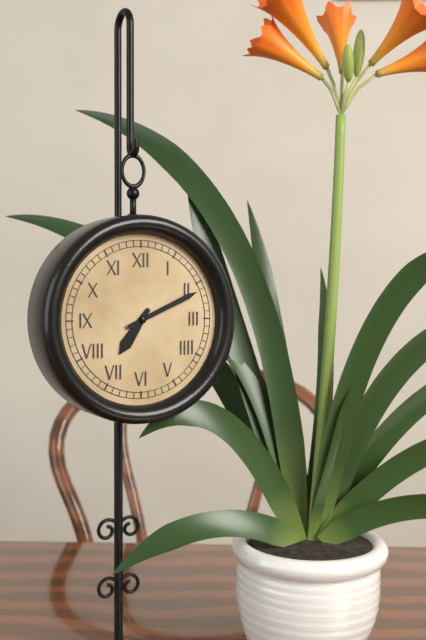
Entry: 7:11
